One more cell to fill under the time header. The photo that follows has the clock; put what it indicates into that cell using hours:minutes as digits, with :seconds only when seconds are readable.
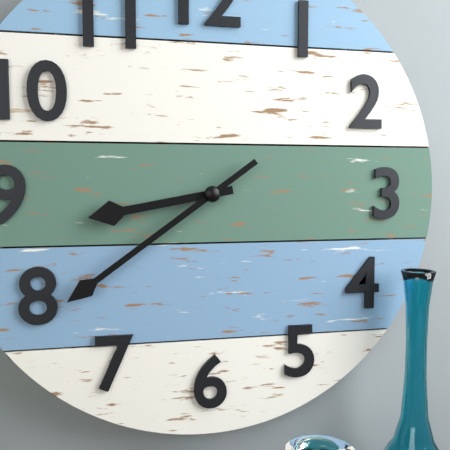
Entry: 8:39
